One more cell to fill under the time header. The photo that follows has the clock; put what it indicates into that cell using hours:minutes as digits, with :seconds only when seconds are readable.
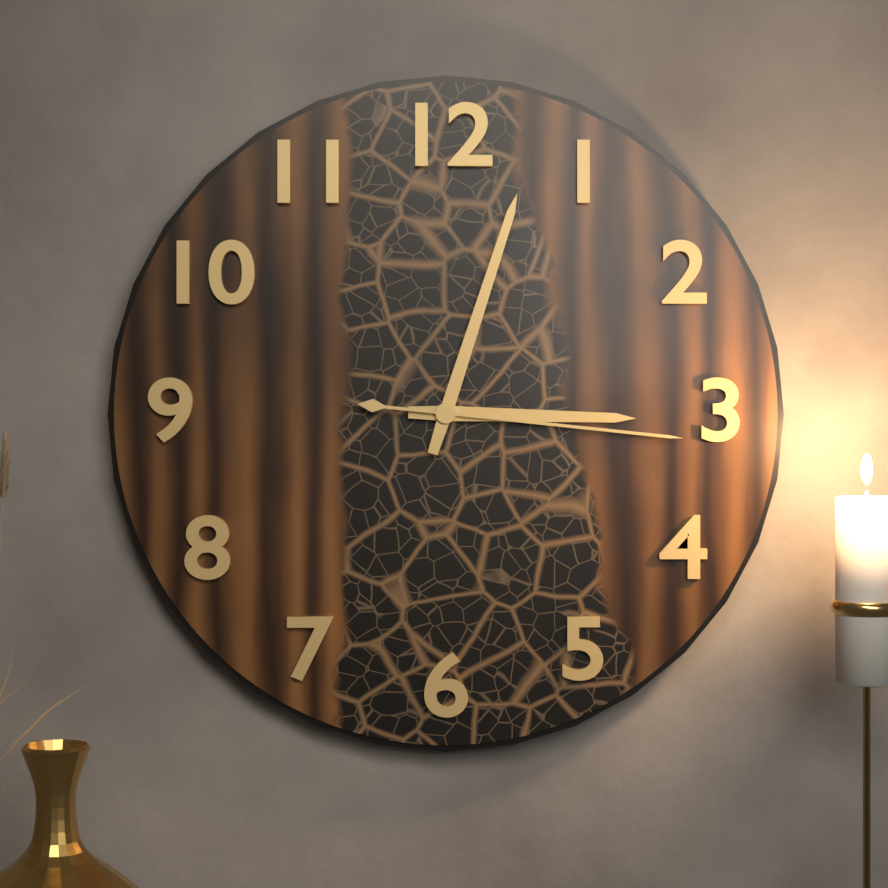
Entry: 3:03:16
